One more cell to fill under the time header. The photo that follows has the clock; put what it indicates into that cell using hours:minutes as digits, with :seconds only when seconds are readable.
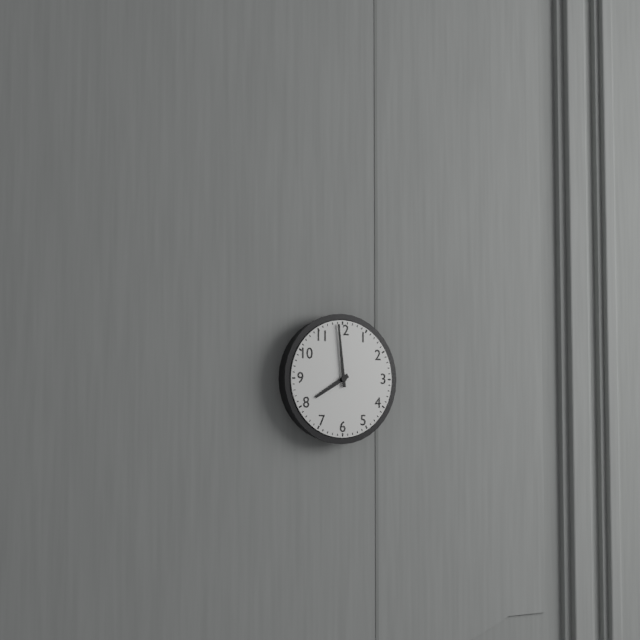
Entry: 7:59
